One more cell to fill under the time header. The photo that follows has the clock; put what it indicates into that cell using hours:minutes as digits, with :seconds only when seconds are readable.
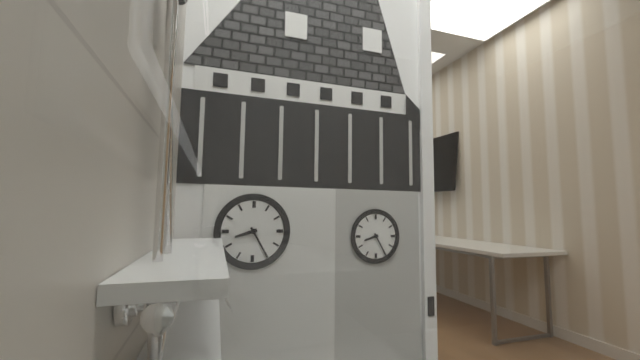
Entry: 8:25
